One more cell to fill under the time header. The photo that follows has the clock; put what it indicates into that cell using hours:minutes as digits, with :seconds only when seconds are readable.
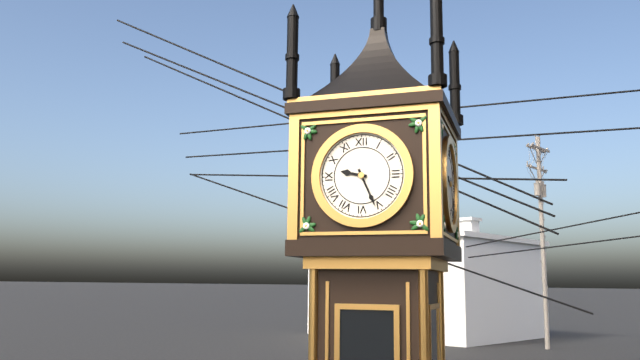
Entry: 9:26
